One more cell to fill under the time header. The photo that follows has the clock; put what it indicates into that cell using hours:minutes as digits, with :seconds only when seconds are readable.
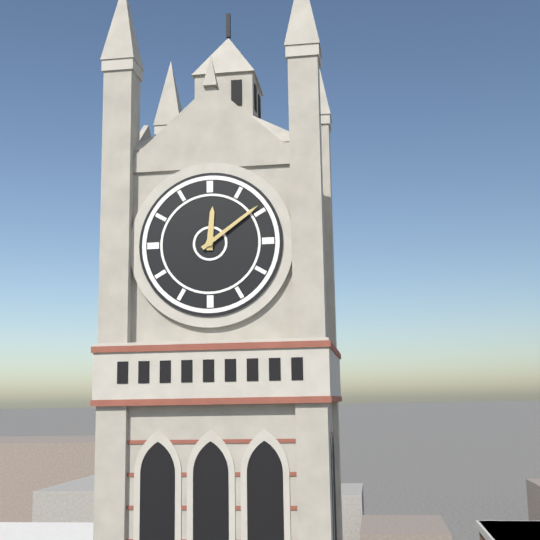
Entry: 12:09
